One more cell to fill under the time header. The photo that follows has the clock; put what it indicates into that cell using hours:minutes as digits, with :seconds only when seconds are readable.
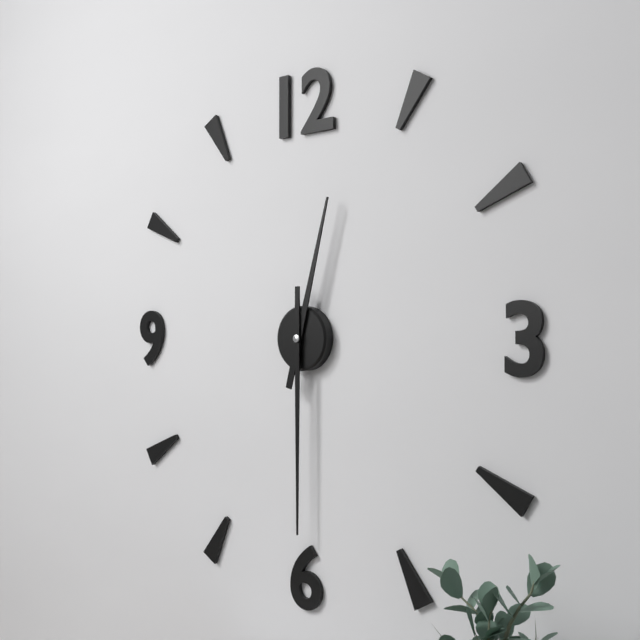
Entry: 12:30
